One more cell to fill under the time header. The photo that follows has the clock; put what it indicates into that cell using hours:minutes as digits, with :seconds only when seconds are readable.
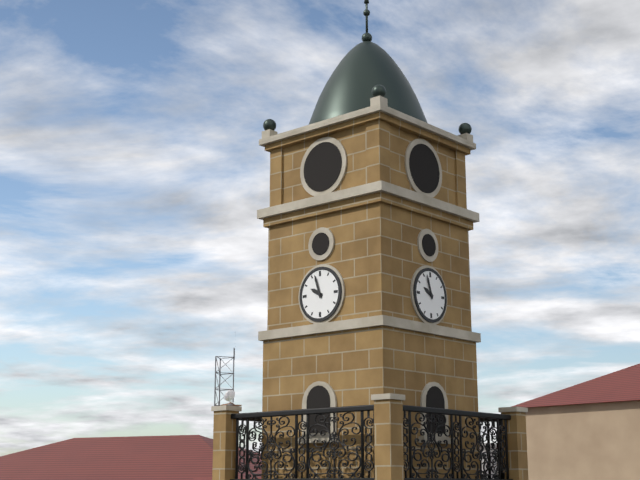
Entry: 9:57
